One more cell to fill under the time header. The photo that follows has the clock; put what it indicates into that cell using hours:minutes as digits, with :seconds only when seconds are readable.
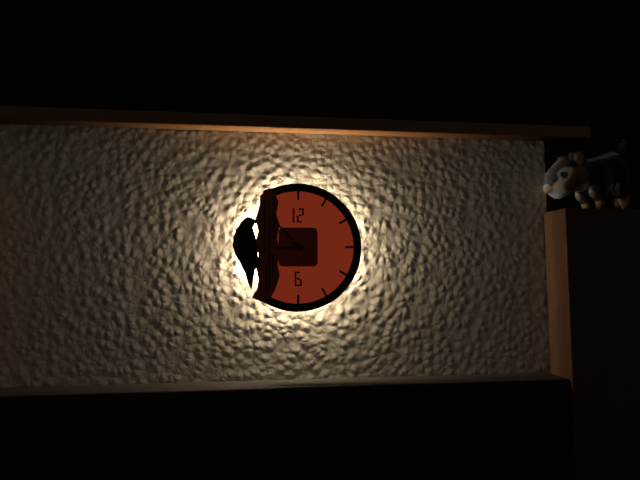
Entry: 8:53
